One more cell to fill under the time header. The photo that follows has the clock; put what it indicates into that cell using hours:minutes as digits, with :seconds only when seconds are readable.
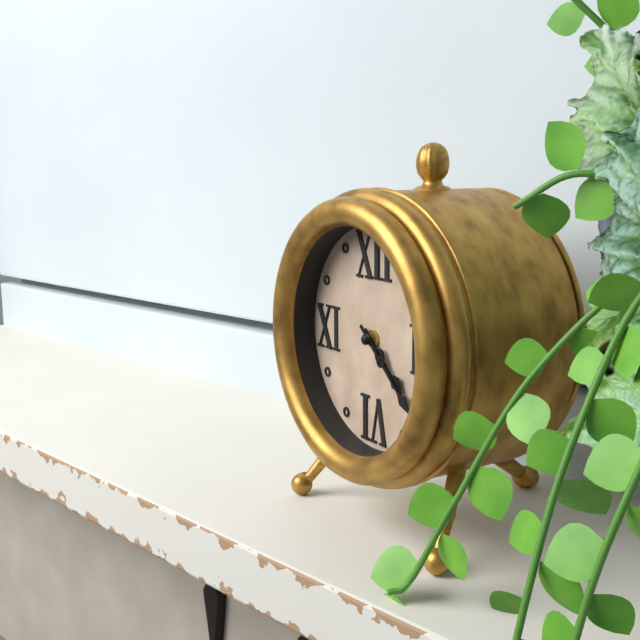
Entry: 4:22
